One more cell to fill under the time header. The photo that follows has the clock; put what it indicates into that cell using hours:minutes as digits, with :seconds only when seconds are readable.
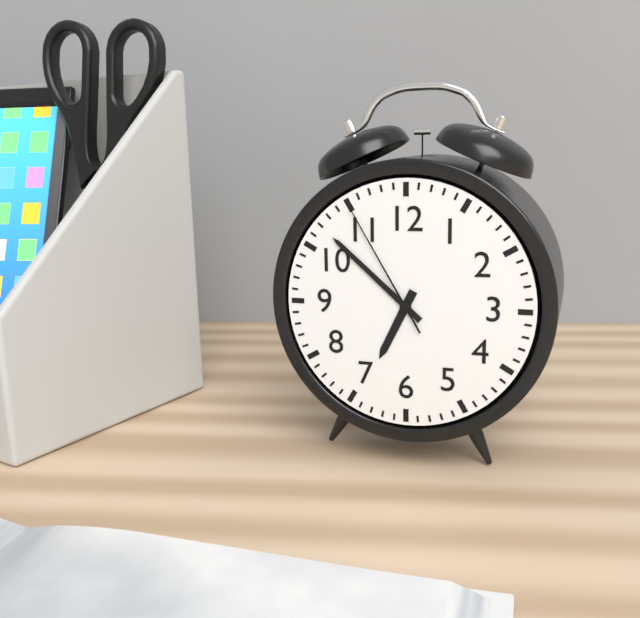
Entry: 6:52:55
